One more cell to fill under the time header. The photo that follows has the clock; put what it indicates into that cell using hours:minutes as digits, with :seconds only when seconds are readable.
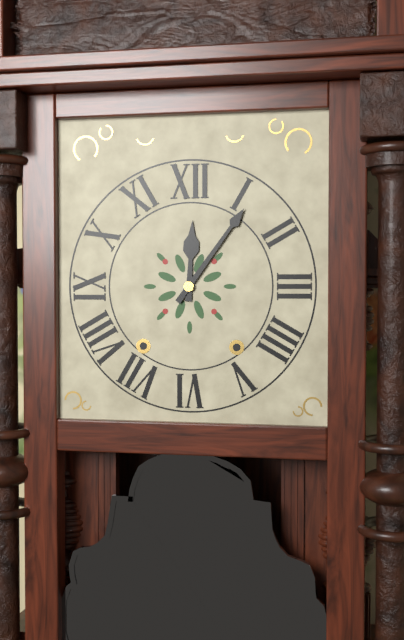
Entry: 12:06
